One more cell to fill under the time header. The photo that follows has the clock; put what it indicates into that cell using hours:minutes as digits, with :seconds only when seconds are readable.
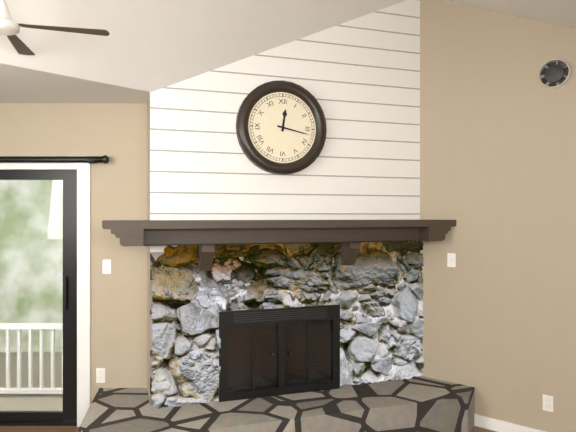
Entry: 12:17
